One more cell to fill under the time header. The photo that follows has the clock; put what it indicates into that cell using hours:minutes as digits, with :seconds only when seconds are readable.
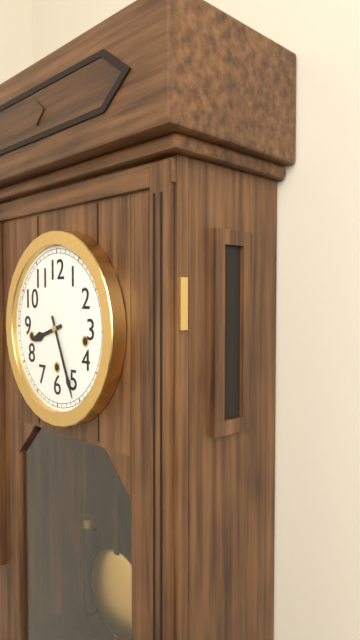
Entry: 8:26
